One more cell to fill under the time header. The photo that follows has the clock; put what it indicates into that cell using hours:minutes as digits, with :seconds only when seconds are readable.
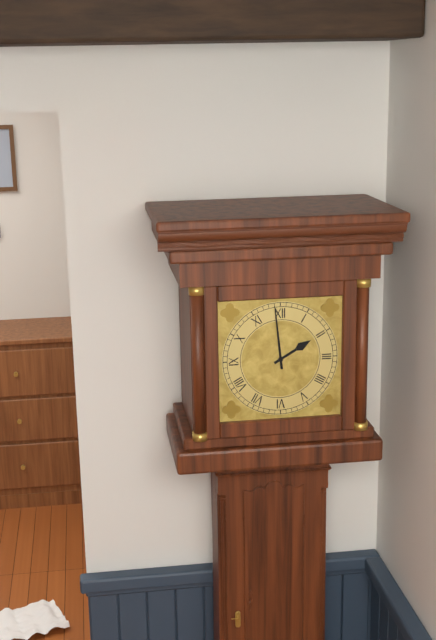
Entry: 1:59
